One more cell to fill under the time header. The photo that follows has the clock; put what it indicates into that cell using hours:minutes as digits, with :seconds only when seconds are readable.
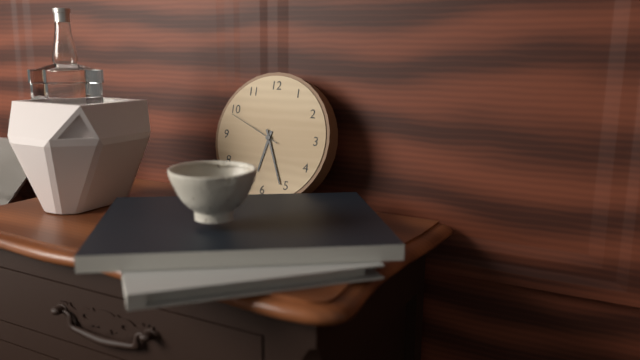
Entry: 6:26:49
